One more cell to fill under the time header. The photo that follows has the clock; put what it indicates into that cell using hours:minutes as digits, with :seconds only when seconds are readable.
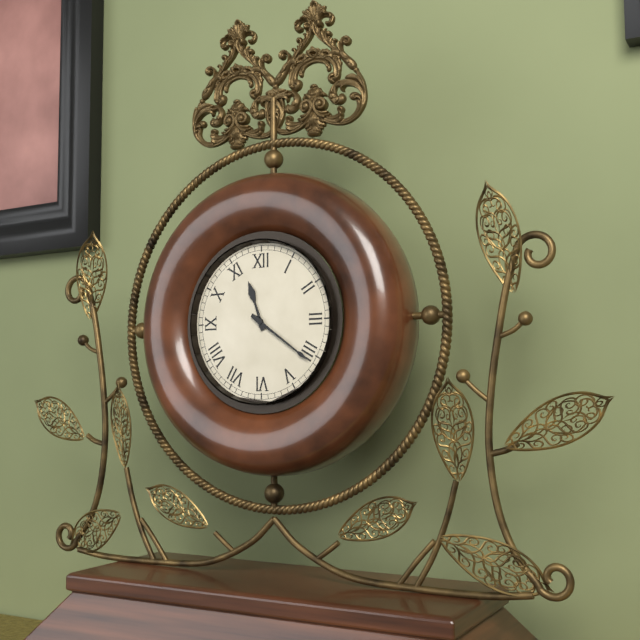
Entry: 11:21
